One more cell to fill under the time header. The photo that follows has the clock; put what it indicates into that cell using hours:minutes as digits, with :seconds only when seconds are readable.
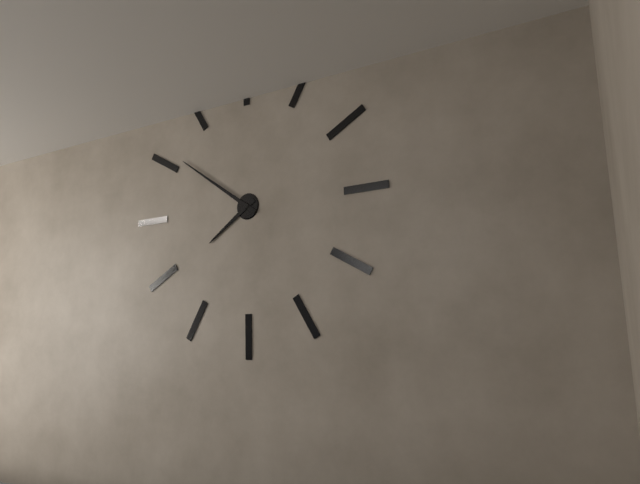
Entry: 7:51
